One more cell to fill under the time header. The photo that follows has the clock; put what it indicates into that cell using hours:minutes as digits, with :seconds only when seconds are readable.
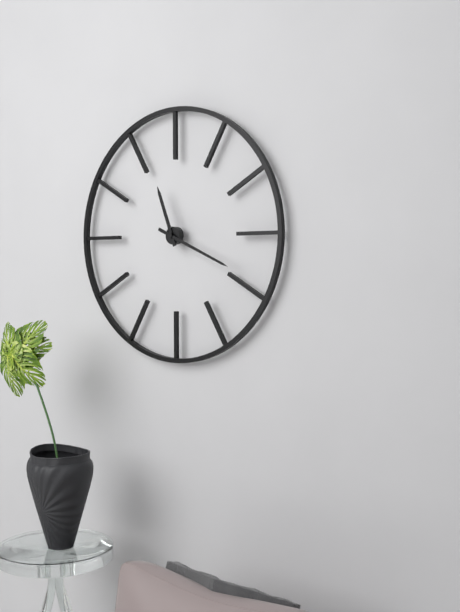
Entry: 11:19
